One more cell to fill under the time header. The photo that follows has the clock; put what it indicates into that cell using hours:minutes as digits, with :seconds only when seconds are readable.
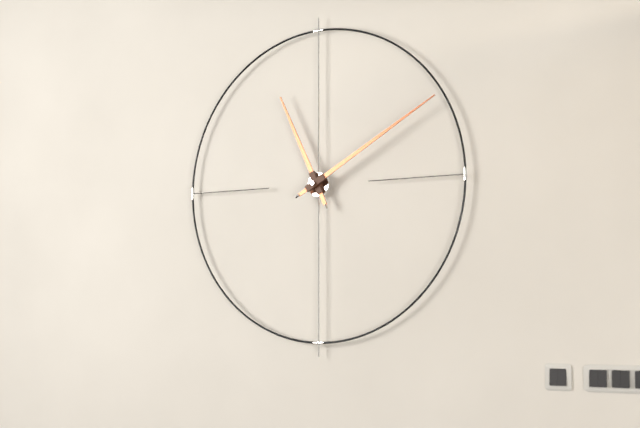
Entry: 11:10
